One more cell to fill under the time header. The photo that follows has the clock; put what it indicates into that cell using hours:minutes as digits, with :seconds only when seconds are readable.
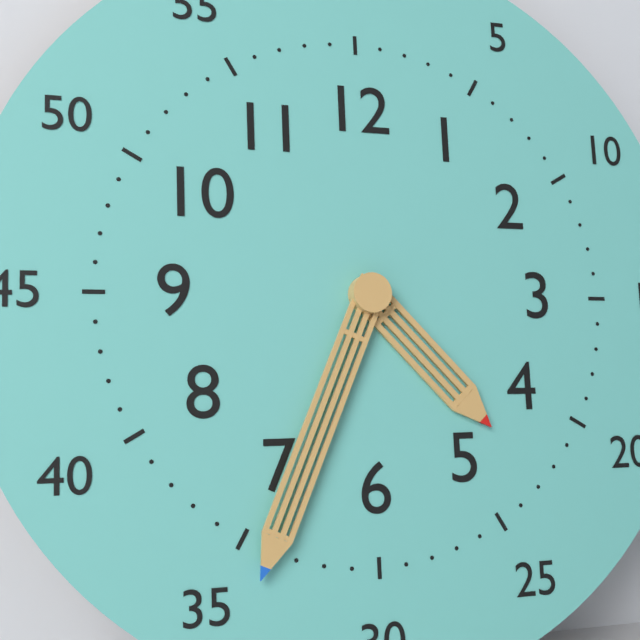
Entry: 4:34
